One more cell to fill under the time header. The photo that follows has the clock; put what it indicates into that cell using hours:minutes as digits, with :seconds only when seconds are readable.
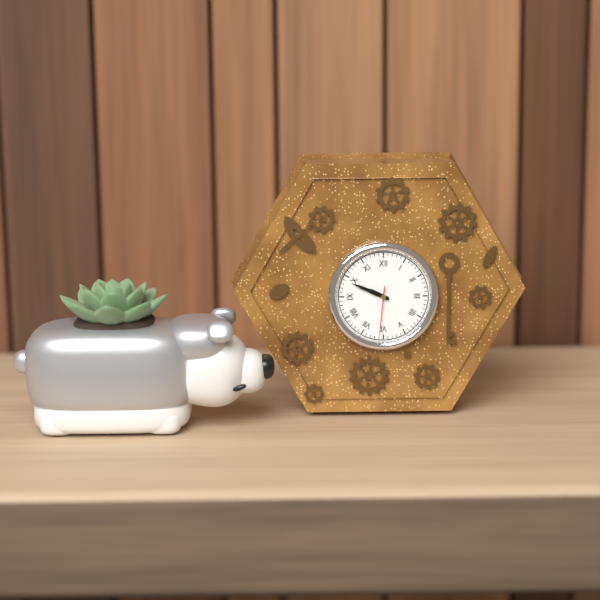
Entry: 9:49
